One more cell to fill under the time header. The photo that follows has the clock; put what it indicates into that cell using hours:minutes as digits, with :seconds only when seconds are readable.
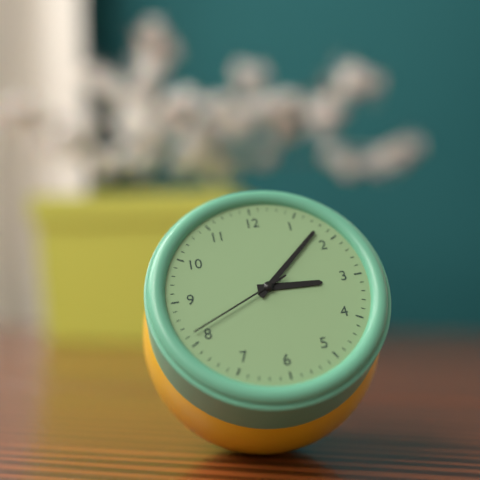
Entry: 3:08:41
